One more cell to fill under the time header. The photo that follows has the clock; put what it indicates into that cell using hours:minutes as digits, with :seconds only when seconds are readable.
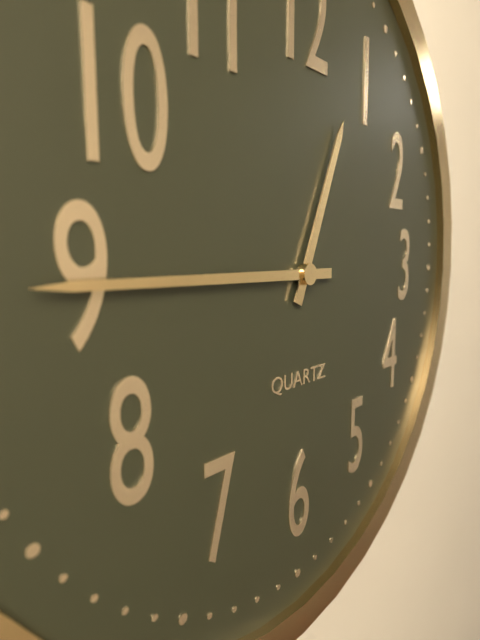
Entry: 12:45
